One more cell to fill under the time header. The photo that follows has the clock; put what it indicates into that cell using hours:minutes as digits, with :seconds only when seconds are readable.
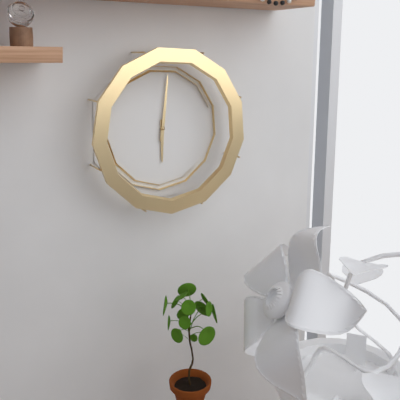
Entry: 6:01
